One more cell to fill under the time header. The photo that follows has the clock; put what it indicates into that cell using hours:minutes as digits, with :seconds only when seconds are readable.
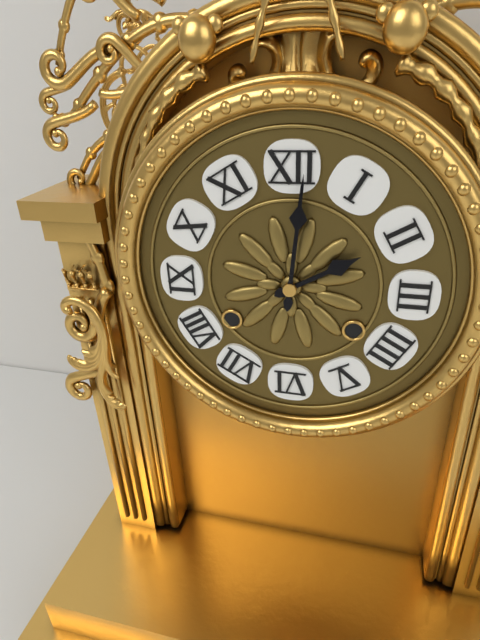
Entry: 2:01
